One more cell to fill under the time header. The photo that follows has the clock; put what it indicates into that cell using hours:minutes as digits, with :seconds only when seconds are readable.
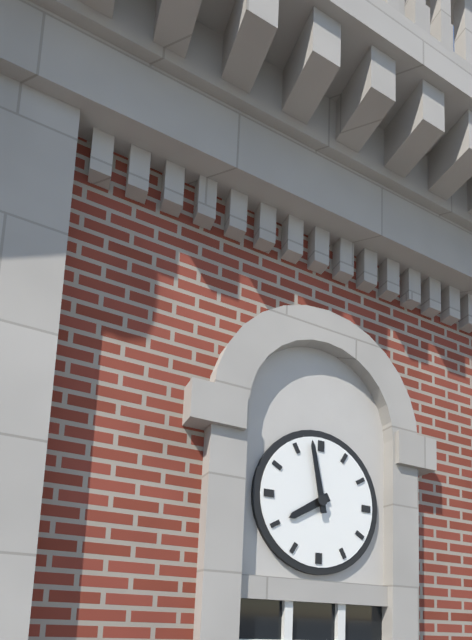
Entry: 7:58
